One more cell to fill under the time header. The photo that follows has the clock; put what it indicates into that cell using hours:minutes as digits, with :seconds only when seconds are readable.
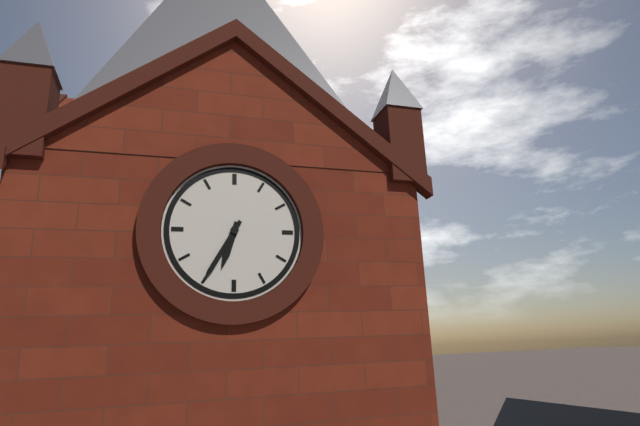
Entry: 6:35
